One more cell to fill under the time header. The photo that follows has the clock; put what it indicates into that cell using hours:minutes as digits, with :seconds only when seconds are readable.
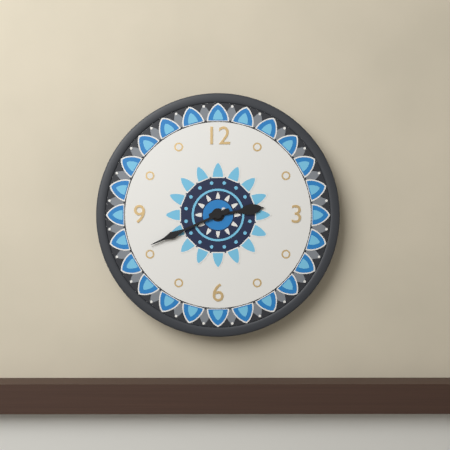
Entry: 2:41
